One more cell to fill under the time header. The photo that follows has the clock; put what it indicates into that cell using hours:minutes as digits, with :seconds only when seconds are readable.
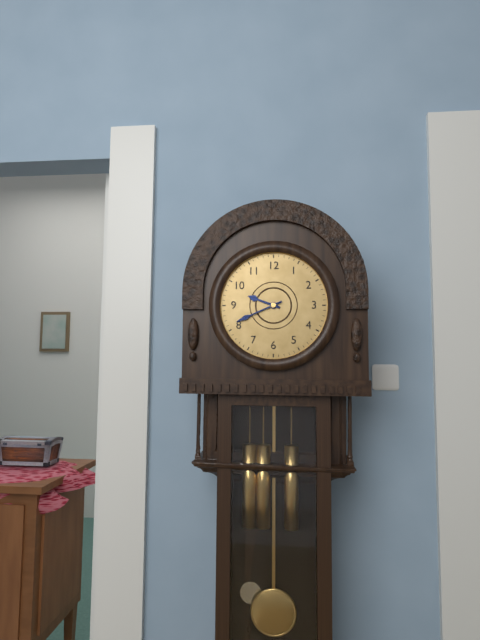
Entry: 9:41
